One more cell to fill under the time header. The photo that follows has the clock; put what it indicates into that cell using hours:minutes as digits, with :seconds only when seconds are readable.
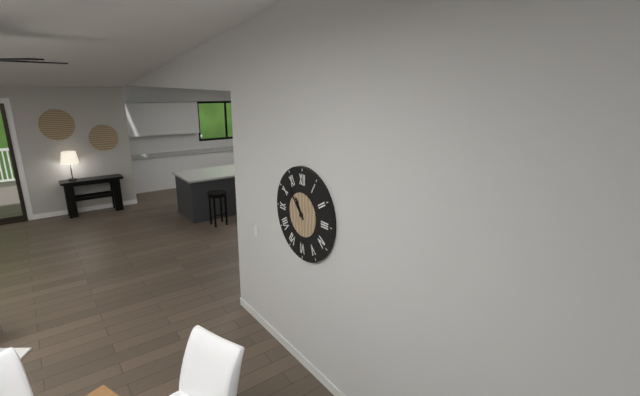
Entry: 10:53
